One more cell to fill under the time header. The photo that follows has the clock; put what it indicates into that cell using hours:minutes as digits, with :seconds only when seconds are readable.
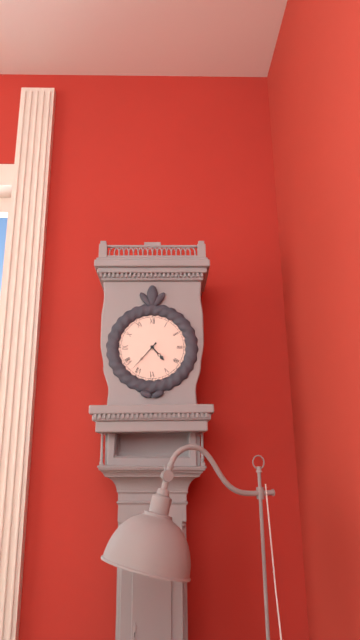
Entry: 4:37
